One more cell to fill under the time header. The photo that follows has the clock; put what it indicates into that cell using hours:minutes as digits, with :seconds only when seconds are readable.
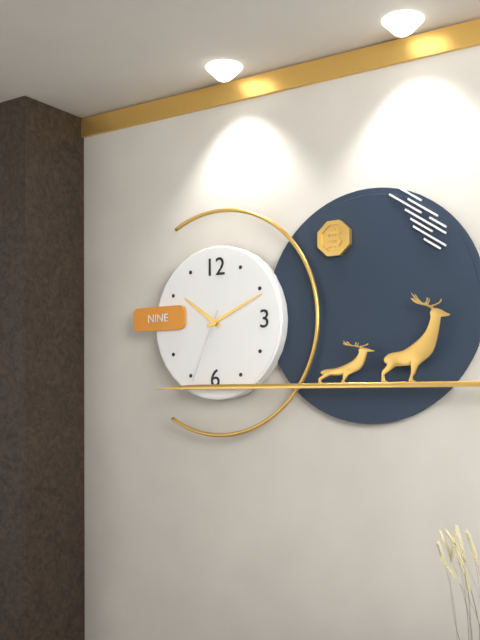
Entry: 10:11:34
